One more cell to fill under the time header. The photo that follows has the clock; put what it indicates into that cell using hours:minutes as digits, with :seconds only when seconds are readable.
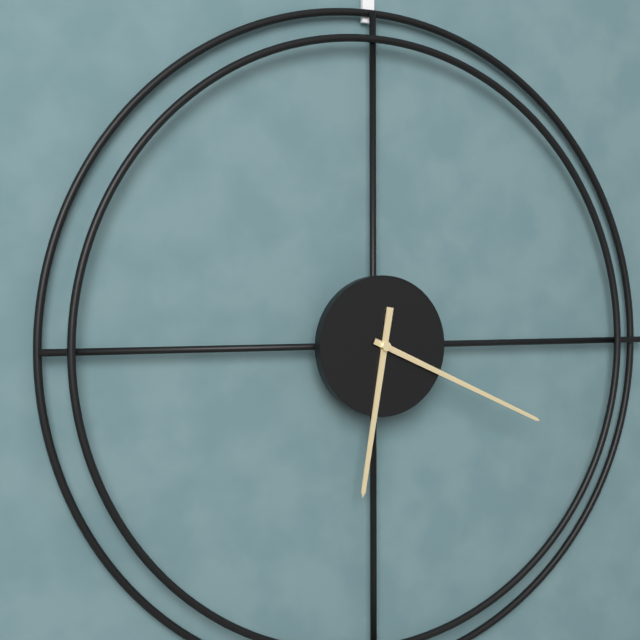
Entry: 6:19
